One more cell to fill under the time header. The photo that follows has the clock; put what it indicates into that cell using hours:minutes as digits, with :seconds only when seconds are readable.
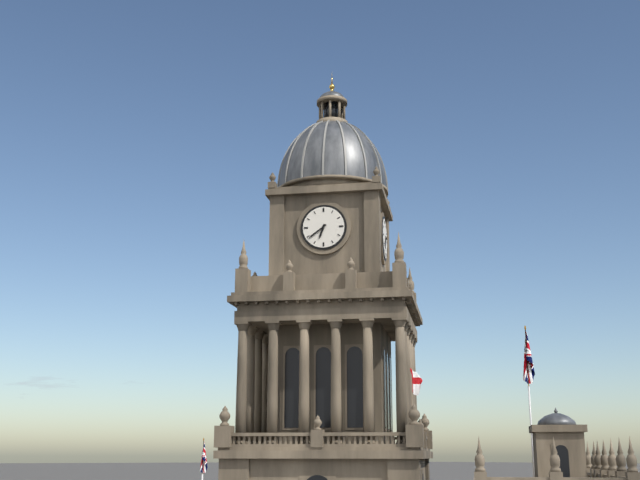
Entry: 6:39
